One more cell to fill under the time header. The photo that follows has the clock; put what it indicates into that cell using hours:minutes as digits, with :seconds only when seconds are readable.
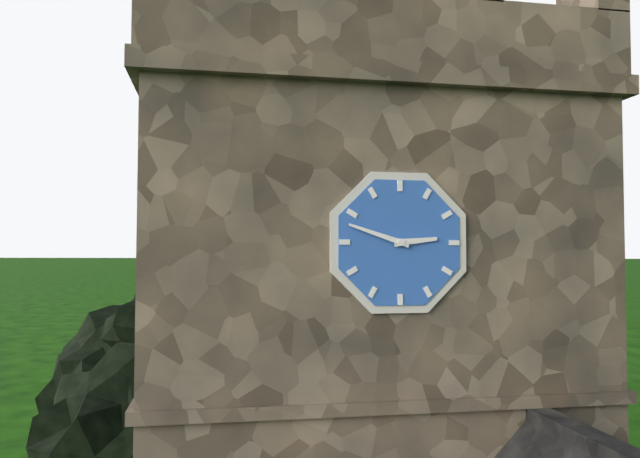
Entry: 2:48
